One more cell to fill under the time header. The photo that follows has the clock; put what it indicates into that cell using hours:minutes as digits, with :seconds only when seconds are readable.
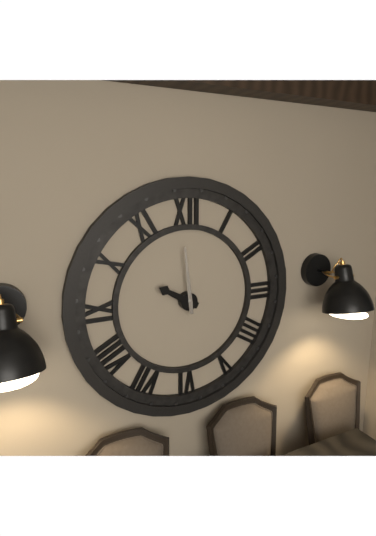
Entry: 9:59
